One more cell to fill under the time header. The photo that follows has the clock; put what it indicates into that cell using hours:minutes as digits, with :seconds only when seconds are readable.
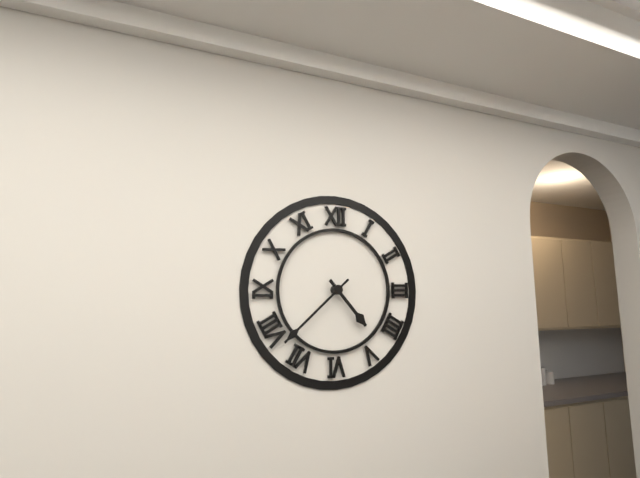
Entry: 4:38
